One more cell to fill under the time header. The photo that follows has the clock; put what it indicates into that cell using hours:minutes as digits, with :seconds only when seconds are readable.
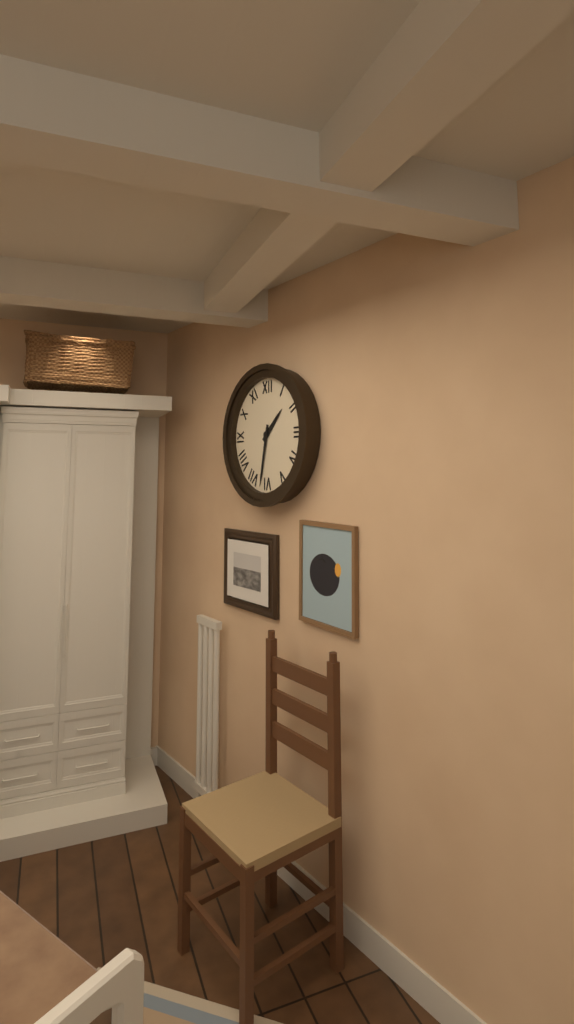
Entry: 1:32
